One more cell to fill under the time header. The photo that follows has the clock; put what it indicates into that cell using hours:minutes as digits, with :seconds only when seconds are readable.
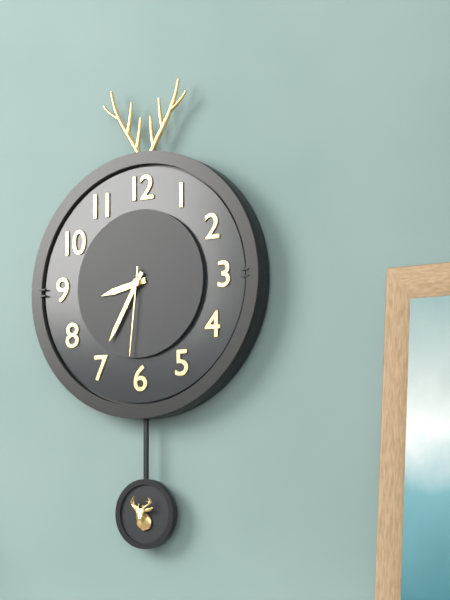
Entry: 8:35:31
